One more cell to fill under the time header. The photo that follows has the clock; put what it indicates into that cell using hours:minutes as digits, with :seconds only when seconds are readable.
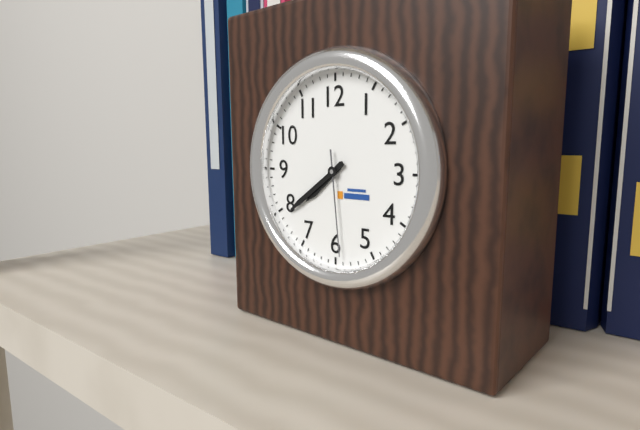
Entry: 7:39:29
